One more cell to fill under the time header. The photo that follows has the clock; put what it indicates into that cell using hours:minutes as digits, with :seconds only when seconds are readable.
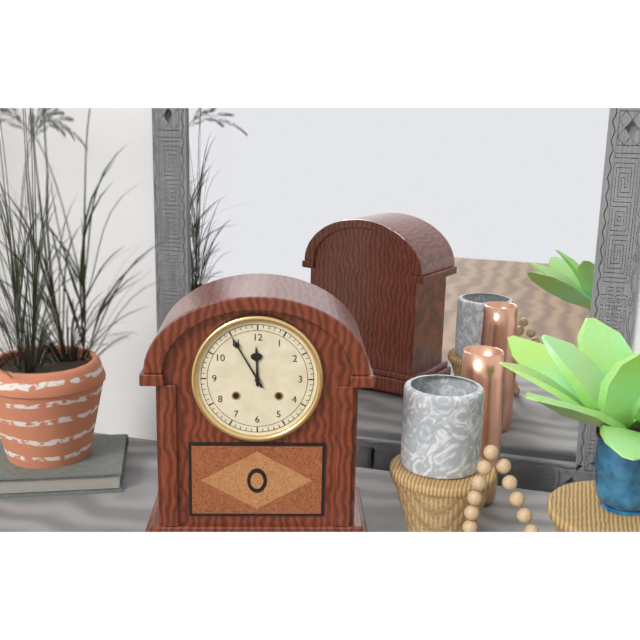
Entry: 11:55
